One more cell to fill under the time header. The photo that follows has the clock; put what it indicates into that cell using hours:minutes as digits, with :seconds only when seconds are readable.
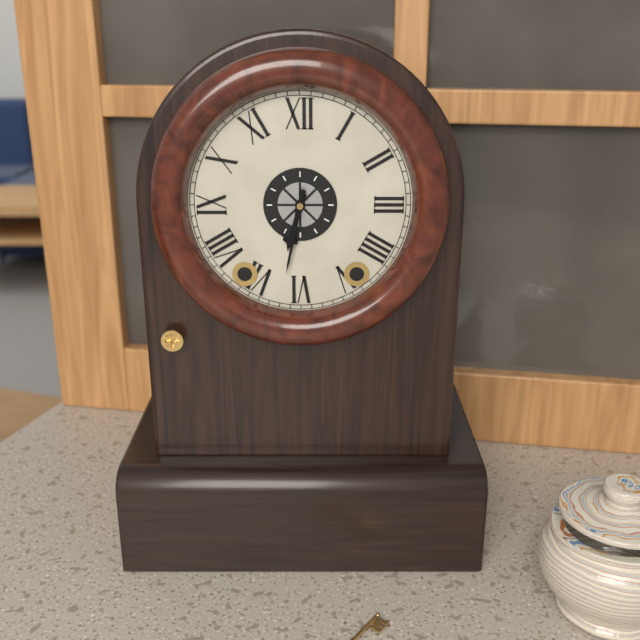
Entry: 6:32
